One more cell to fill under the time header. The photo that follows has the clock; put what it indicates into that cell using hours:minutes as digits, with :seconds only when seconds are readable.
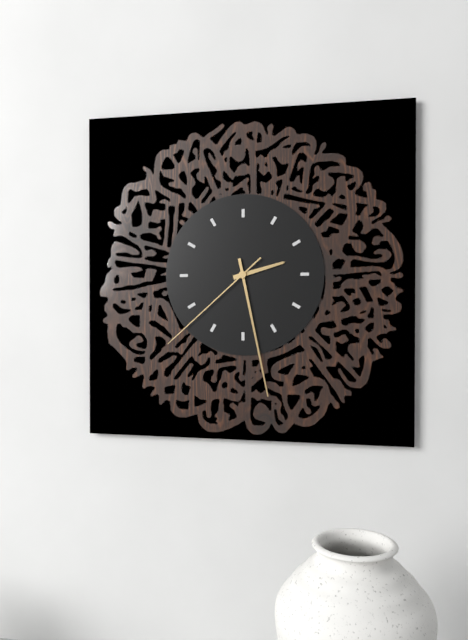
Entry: 2:28:38
